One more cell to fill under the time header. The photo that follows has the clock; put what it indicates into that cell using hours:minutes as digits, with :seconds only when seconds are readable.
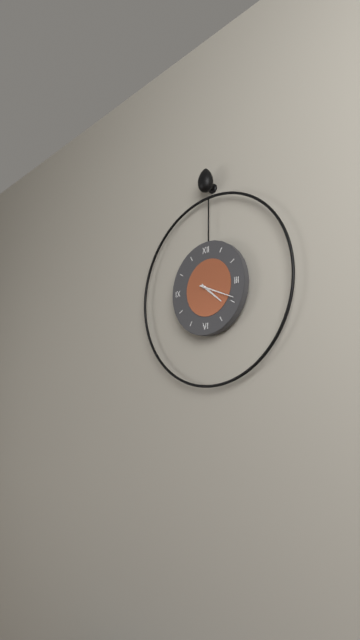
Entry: 4:19
